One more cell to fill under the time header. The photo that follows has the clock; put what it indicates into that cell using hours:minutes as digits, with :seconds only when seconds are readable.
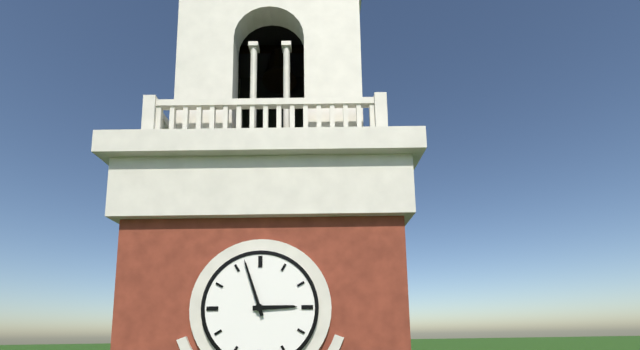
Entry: 2:57
